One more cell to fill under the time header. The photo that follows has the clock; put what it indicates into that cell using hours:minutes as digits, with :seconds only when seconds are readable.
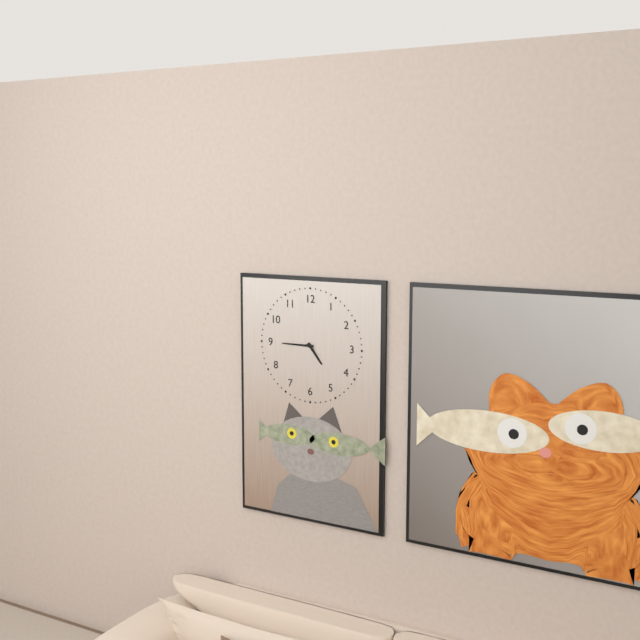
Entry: 4:45
